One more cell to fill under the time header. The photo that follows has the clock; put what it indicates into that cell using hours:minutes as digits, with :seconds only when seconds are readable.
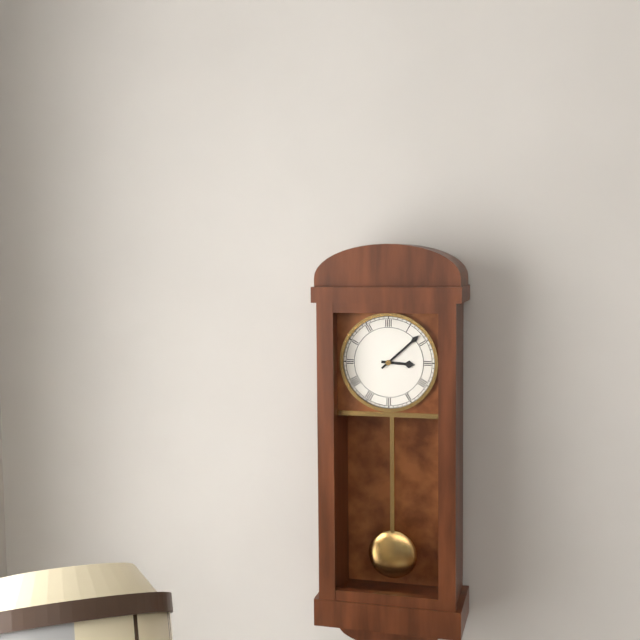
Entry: 3:08
